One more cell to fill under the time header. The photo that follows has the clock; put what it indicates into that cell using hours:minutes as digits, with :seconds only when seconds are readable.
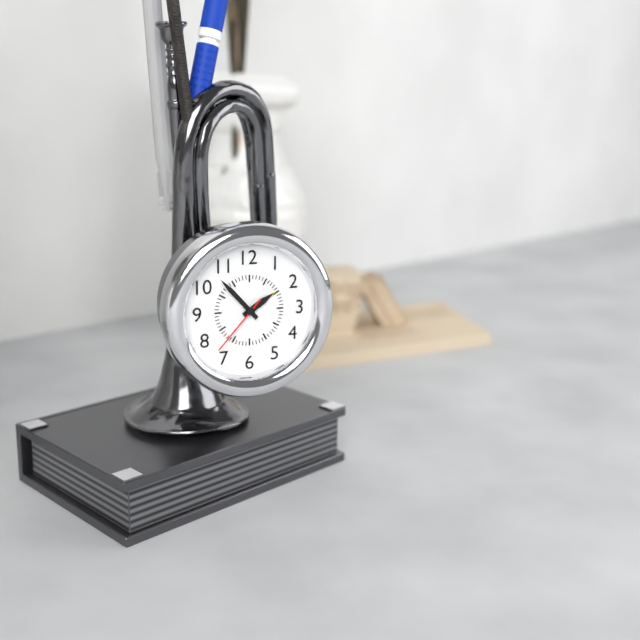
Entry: 1:53:37
